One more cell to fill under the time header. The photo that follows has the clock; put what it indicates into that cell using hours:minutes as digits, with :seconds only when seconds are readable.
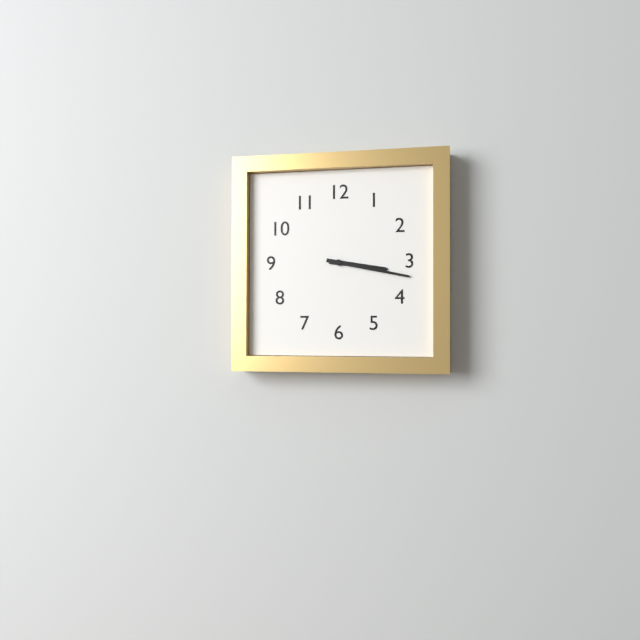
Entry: 3:17
